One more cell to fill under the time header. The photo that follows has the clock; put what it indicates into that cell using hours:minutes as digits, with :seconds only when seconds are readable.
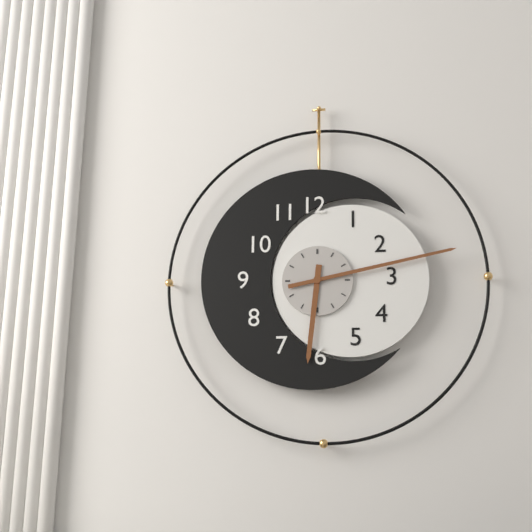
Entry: 6:13
